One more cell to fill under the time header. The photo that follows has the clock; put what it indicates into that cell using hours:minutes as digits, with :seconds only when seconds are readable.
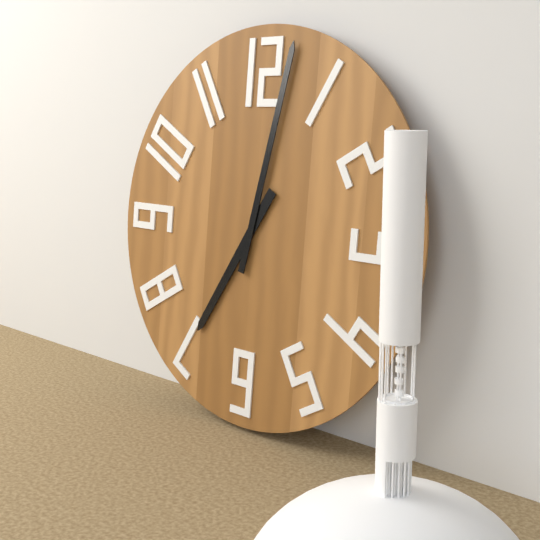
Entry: 7:02
